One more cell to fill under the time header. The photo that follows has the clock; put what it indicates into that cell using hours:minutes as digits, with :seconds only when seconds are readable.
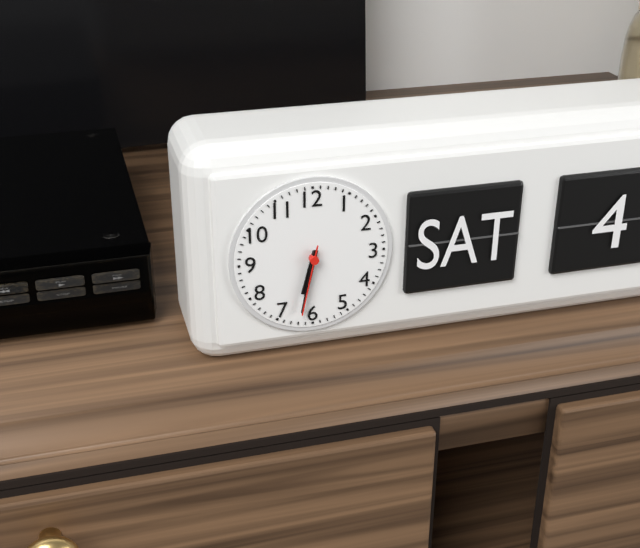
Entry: 6:32:32
